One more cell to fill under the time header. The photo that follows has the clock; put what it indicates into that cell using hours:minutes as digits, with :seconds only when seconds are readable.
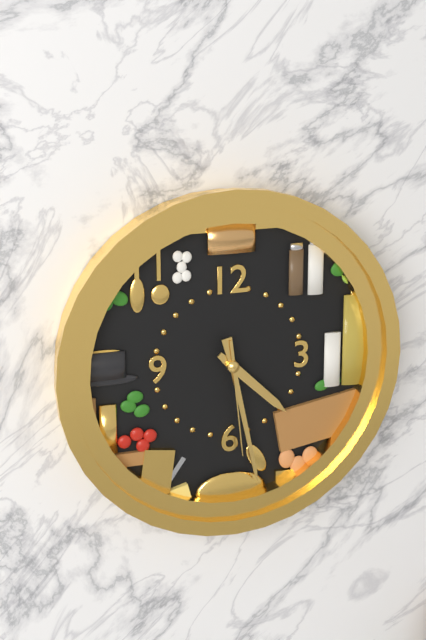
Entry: 4:28:29
